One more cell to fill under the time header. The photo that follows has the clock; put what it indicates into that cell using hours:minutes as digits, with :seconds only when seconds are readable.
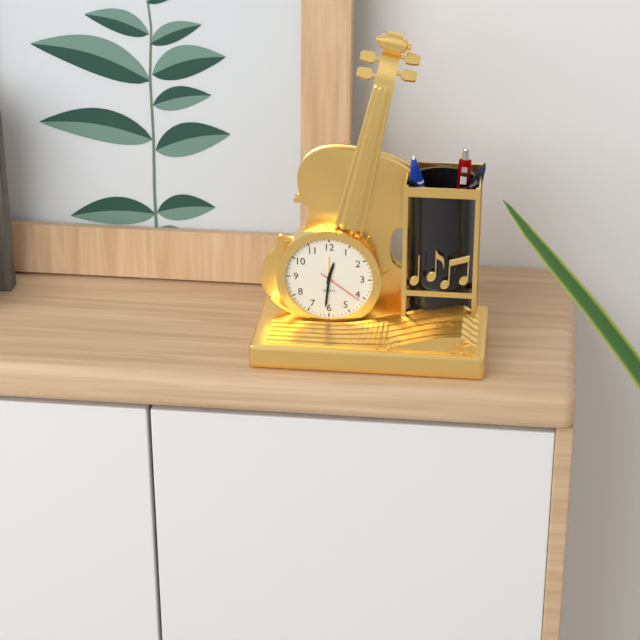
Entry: 12:31
